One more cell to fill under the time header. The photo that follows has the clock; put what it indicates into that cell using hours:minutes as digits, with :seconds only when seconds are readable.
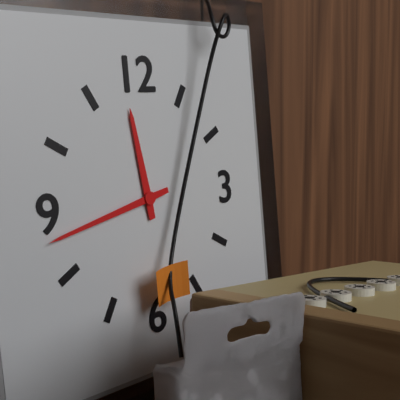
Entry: 11:43
